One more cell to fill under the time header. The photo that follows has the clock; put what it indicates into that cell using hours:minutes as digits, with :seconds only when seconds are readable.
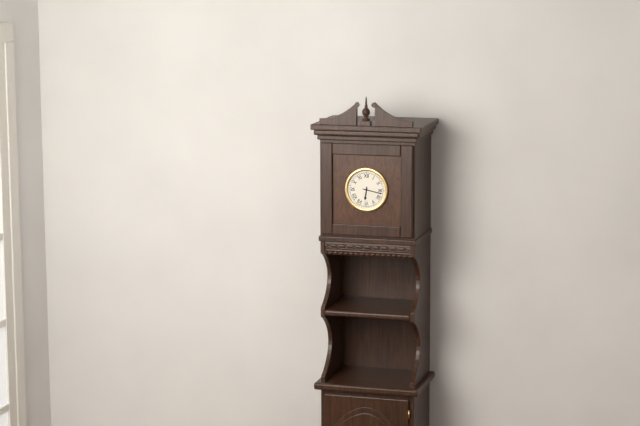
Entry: 6:17
